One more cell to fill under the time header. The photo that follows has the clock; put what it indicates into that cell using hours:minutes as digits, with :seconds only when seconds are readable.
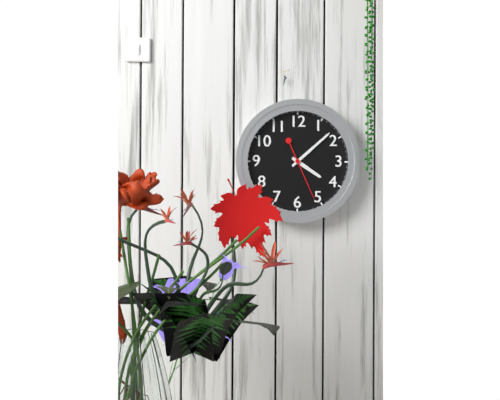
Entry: 4:08:26
